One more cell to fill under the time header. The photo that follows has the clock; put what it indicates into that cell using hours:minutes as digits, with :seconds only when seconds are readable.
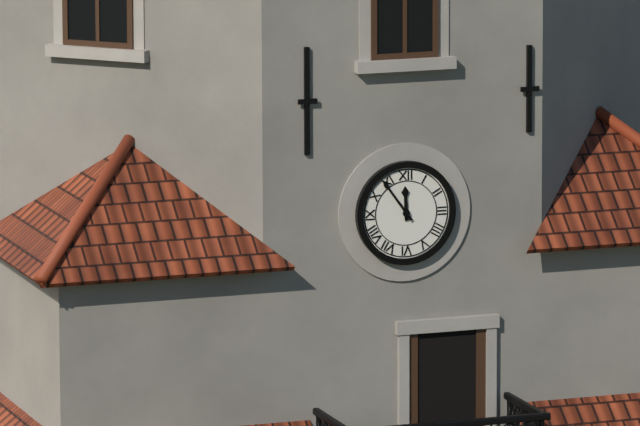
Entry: 11:54
